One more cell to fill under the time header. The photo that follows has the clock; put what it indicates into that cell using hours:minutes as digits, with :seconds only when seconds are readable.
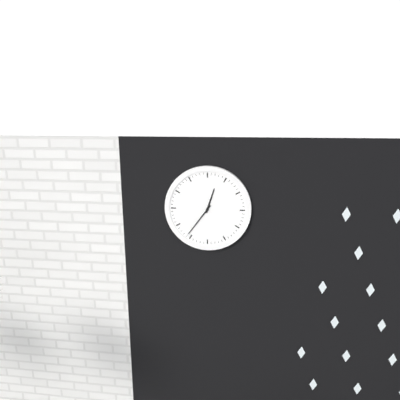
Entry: 12:36
